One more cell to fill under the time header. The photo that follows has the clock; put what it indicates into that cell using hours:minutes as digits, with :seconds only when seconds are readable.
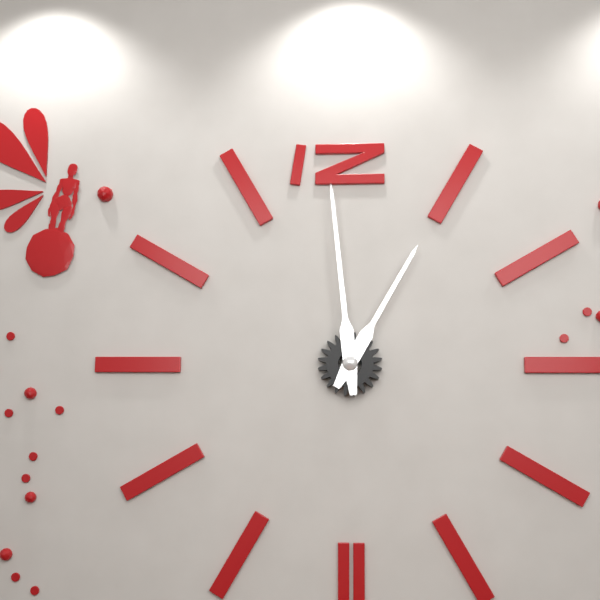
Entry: 12:59
